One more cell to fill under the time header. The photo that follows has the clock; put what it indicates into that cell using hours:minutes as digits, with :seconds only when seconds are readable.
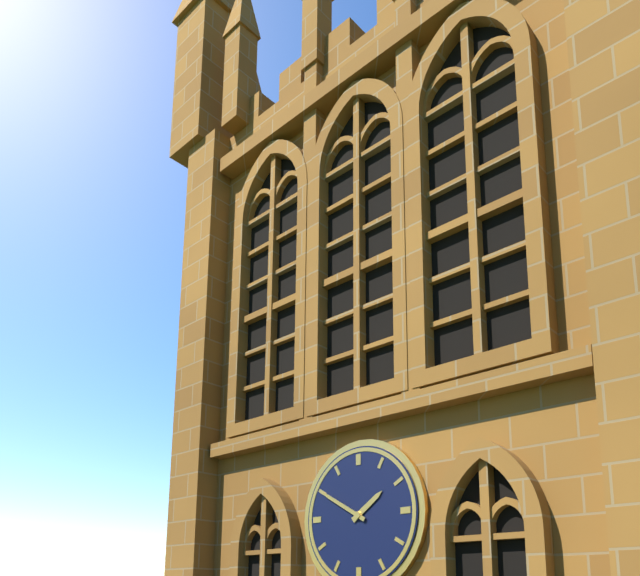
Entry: 1:50
